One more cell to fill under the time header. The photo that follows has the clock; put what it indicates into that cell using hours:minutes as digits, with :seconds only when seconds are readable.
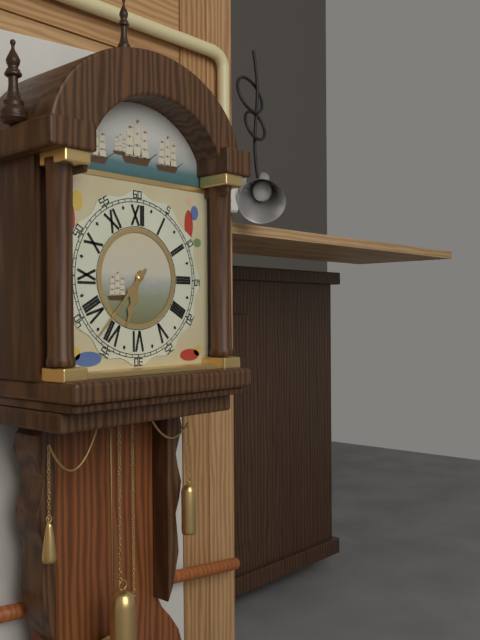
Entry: 6:37
